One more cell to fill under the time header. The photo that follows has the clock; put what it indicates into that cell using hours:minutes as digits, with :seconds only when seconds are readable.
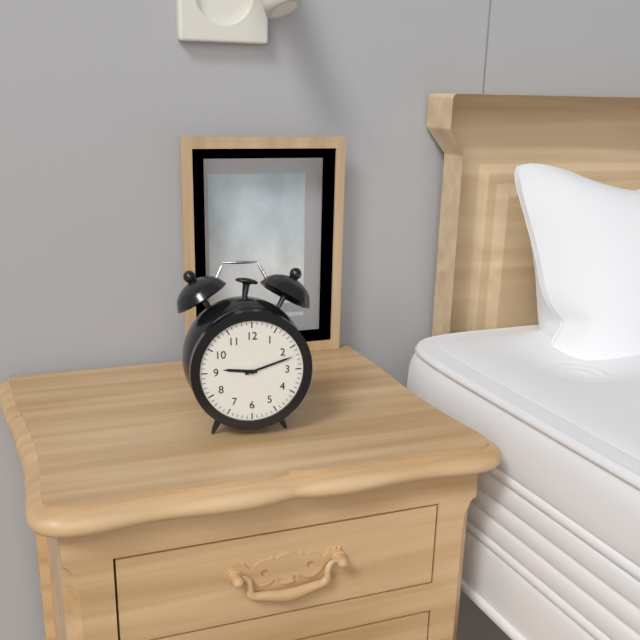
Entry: 9:12
